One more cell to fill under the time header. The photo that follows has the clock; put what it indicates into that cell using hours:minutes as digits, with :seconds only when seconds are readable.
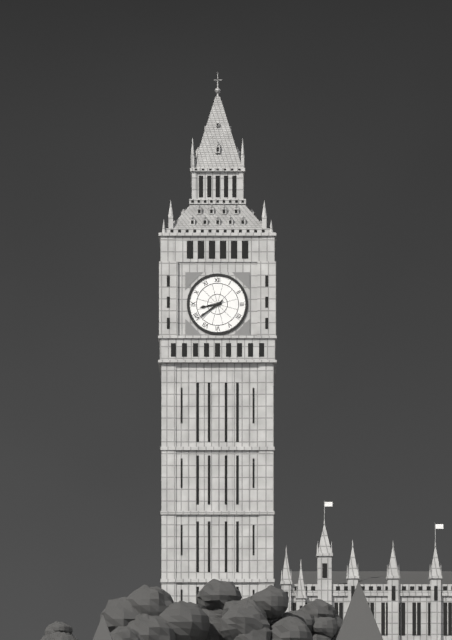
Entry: 8:39
